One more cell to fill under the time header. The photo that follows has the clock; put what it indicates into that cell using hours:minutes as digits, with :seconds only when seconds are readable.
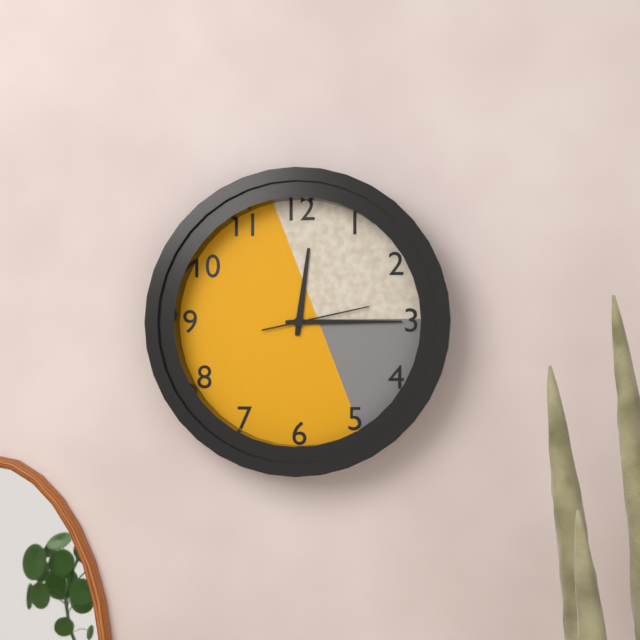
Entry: 12:15:13
